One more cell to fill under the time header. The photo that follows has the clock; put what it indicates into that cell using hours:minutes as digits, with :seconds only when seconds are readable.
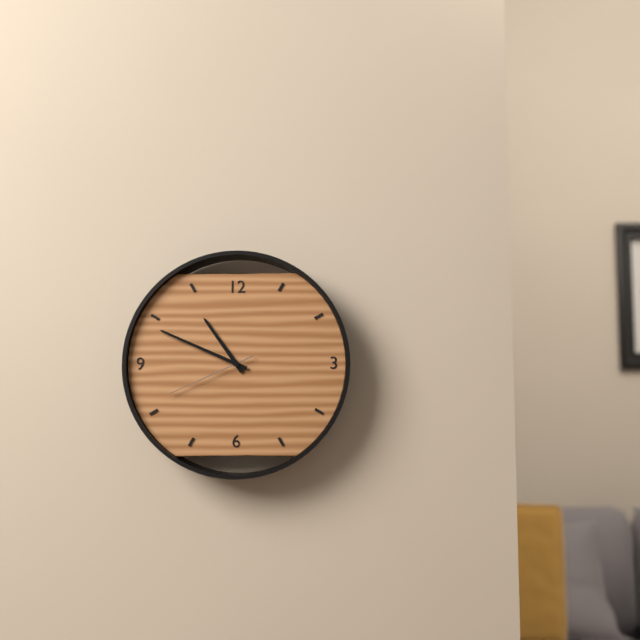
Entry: 10:49:41
